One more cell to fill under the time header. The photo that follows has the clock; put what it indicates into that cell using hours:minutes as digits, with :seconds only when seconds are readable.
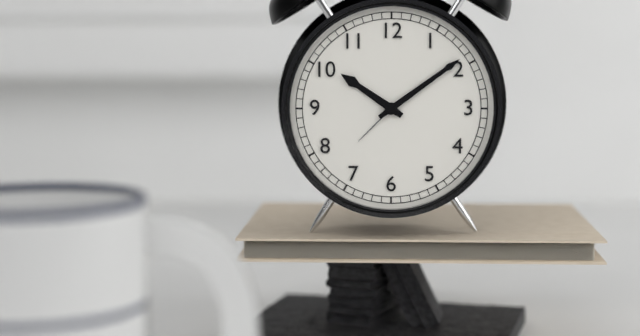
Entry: 10:09
